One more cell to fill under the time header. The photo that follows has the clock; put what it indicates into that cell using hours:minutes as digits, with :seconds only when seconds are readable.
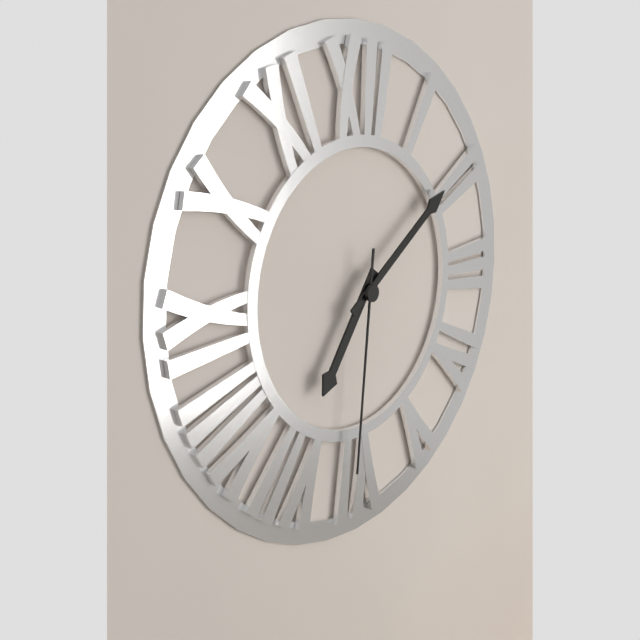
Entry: 7:09:31
